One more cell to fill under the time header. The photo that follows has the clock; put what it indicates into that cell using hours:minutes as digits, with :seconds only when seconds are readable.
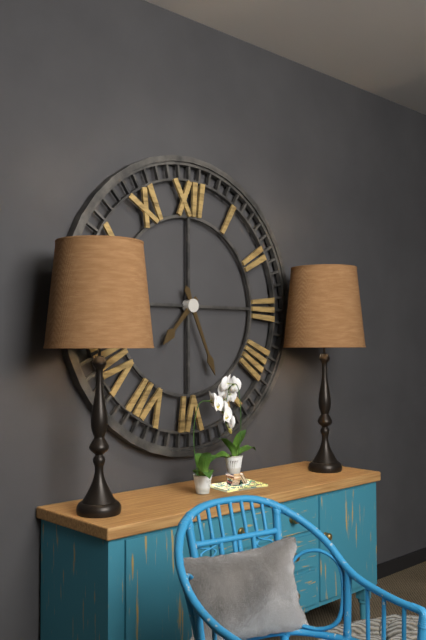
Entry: 7:26
